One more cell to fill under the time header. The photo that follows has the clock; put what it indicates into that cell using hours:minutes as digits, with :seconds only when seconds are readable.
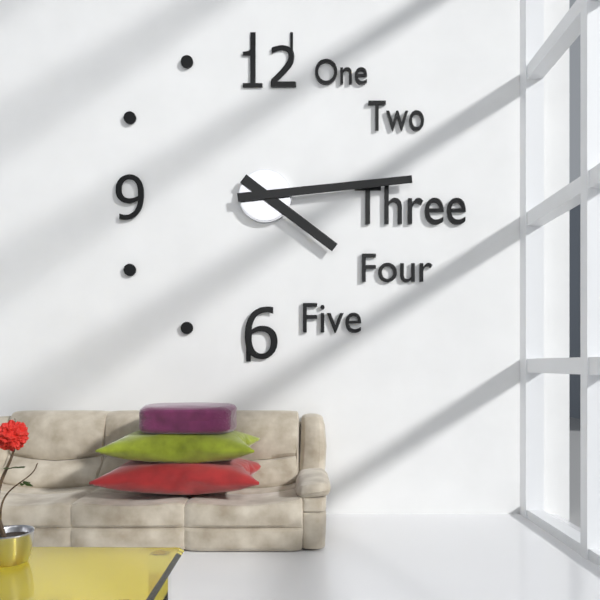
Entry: 4:14
